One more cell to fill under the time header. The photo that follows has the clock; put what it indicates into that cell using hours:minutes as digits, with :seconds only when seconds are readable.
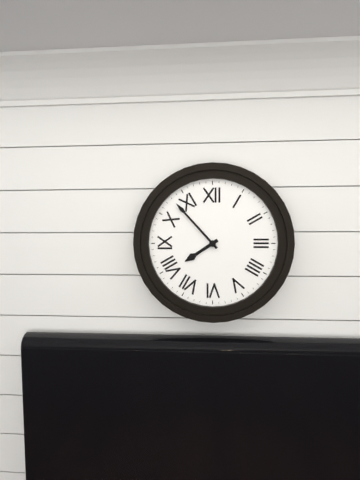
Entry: 7:53
